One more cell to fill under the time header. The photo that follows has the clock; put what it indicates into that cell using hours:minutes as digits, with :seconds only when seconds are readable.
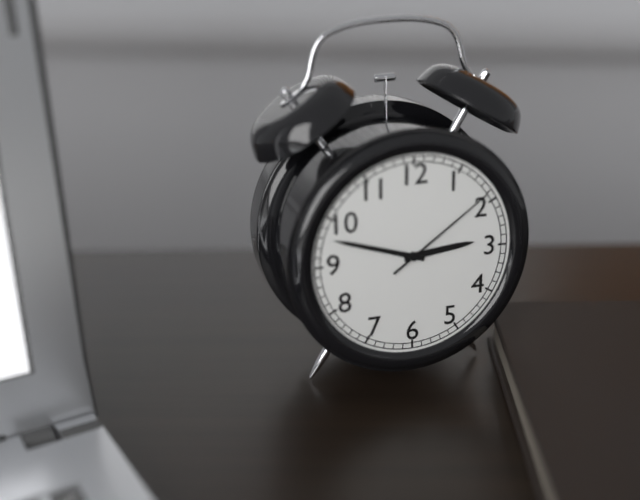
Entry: 2:48:09
